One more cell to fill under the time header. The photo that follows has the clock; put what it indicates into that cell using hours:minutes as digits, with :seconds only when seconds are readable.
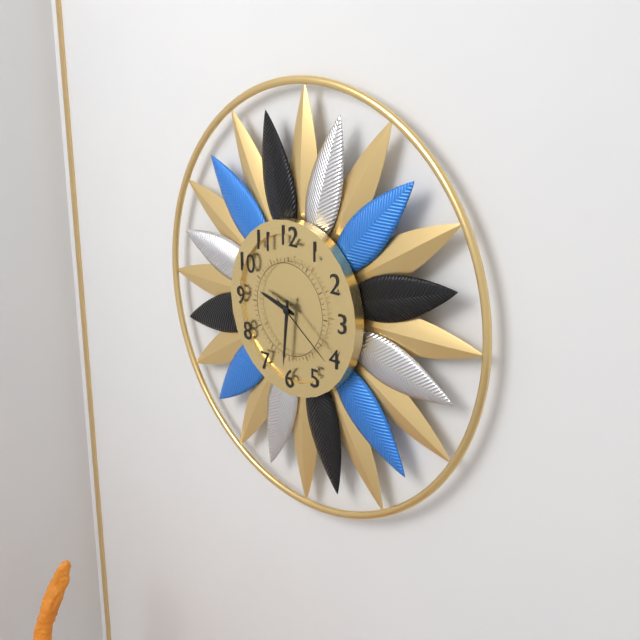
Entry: 9:31:21
